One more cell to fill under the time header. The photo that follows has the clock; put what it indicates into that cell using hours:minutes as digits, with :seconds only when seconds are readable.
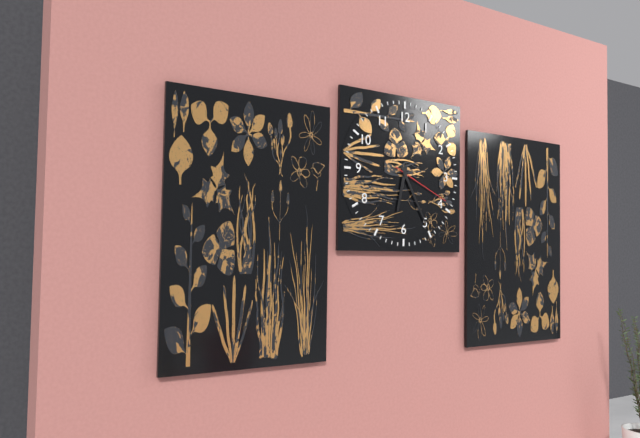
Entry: 6:25:19
